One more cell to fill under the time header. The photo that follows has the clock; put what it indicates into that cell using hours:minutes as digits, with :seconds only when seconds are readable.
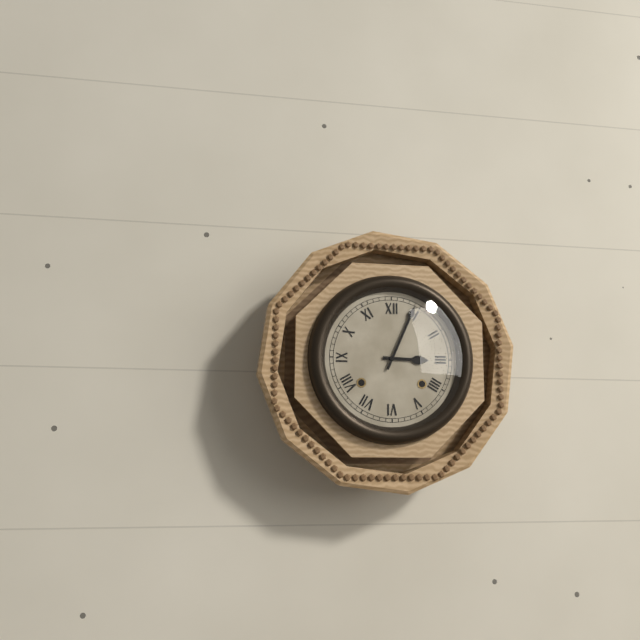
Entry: 3:04
